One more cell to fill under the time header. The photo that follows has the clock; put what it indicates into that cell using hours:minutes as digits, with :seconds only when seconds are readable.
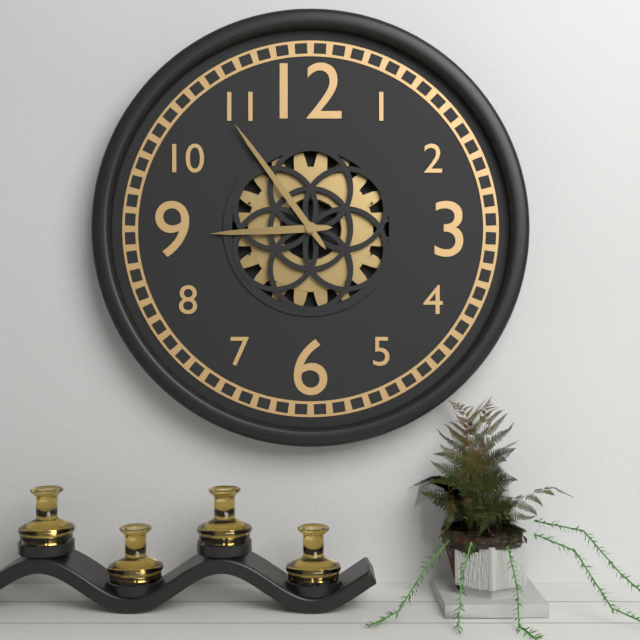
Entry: 8:54
